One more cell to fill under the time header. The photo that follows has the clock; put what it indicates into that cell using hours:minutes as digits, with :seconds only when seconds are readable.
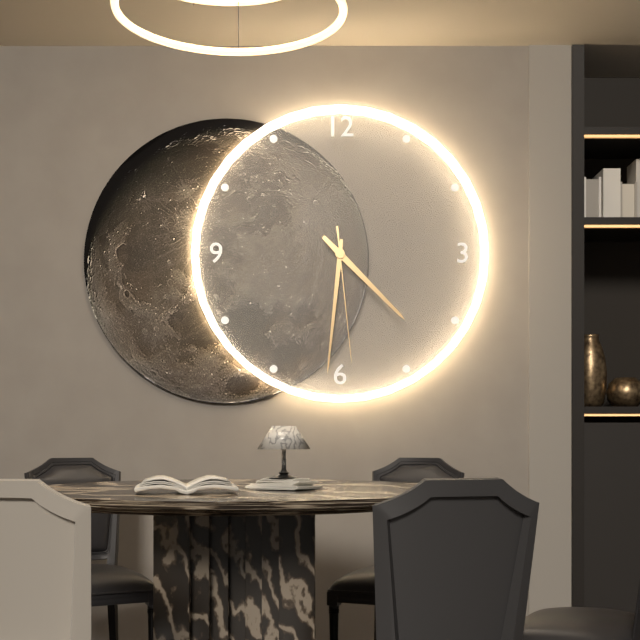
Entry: 4:31:29
